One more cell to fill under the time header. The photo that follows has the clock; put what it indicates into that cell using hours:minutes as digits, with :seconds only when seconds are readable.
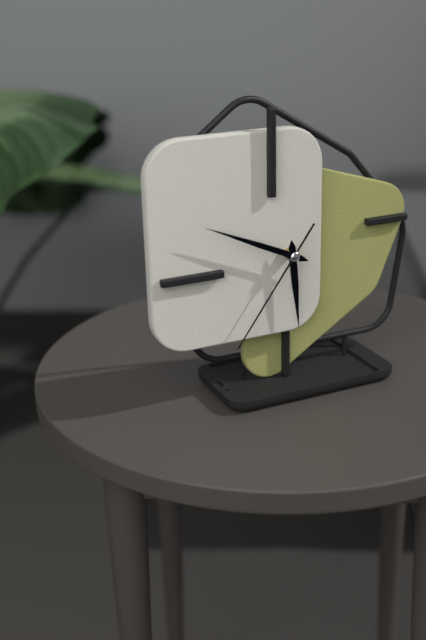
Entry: 5:49:36
